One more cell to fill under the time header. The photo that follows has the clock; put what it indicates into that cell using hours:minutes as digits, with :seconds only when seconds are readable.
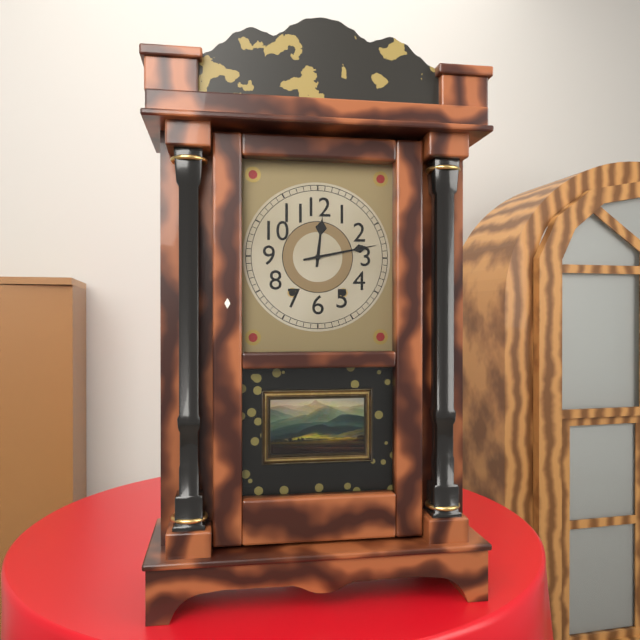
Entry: 12:13
